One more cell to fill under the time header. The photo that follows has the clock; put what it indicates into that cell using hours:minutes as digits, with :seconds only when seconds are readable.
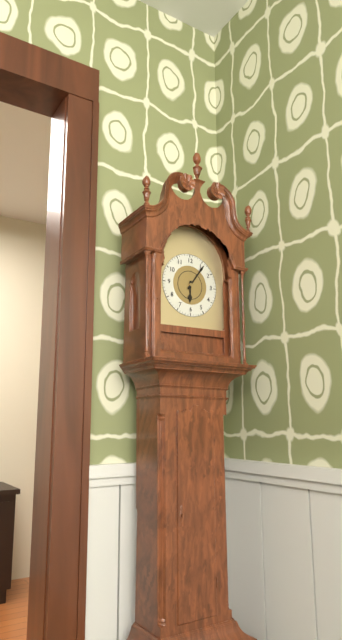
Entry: 6:06
